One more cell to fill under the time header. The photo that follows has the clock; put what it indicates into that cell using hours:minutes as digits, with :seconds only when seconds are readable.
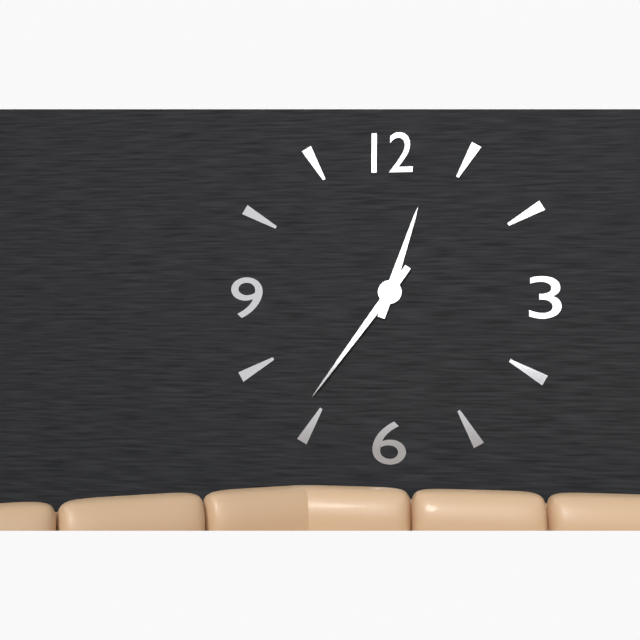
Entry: 12:36
